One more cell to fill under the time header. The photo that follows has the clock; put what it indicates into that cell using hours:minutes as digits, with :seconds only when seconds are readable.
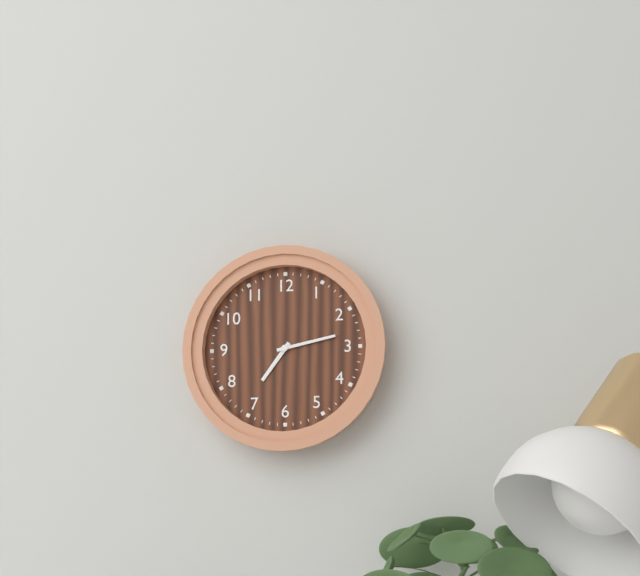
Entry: 7:13
